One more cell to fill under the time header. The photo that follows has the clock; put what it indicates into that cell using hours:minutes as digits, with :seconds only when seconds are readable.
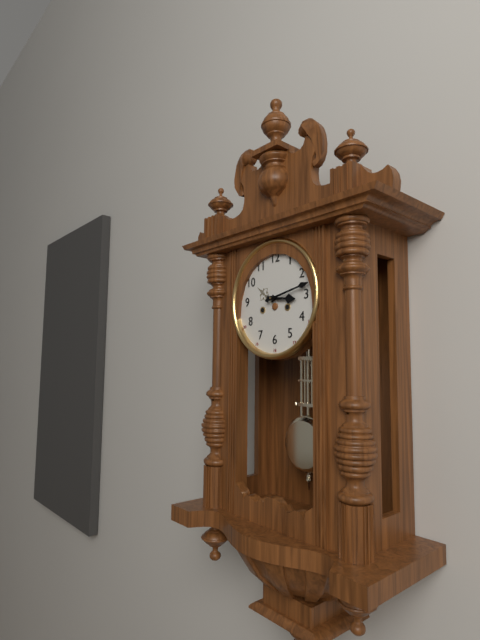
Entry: 3:13
